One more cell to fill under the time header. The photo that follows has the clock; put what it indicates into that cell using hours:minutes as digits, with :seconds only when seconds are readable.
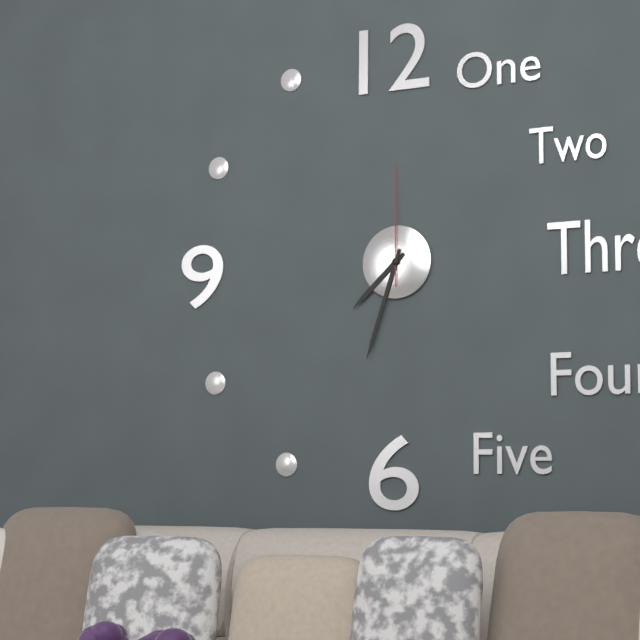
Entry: 7:33:00
